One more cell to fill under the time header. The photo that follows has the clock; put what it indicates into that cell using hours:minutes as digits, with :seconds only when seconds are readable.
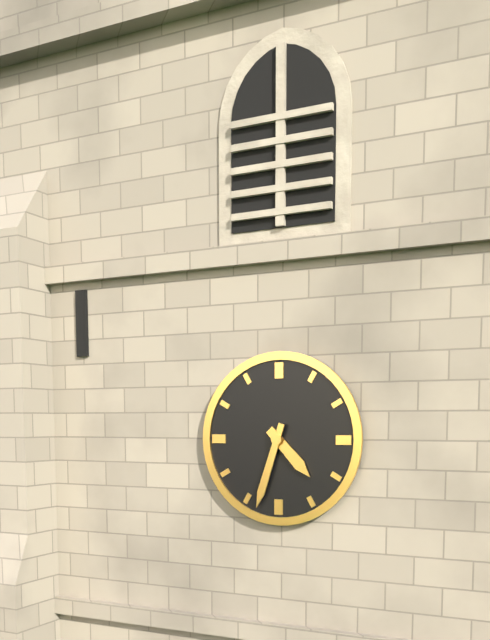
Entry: 4:33
